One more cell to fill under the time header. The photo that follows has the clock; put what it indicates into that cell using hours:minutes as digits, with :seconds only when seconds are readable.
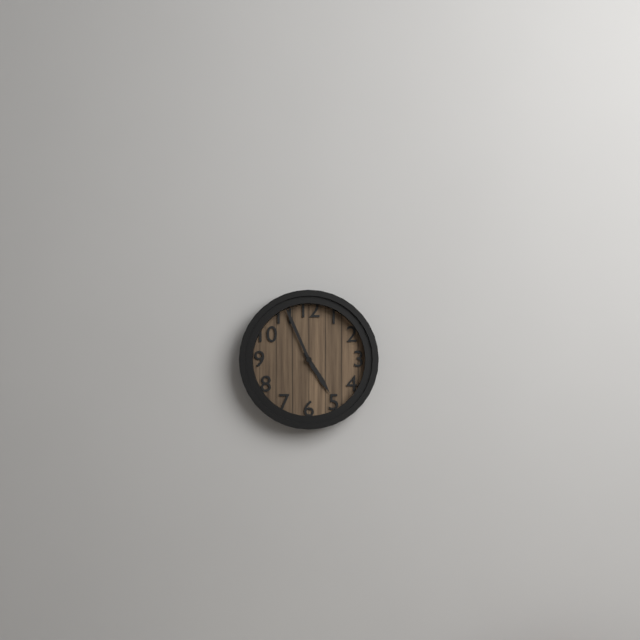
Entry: 4:56
